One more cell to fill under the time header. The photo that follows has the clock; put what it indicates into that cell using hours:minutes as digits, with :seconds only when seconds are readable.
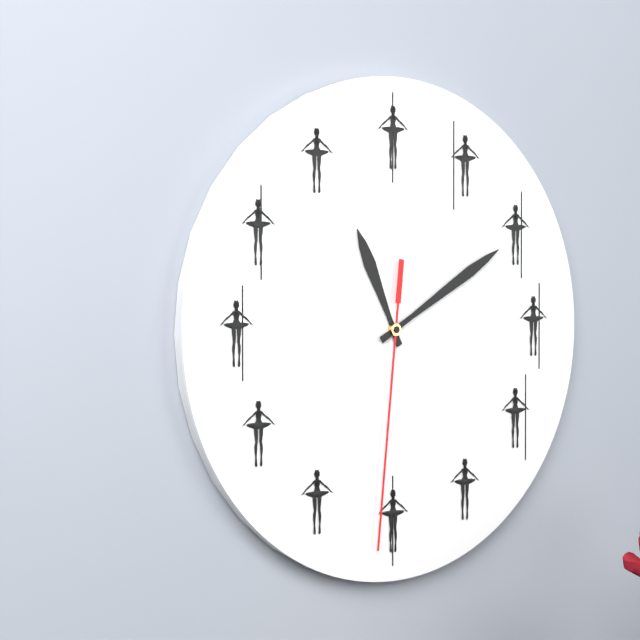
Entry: 11:10:31
